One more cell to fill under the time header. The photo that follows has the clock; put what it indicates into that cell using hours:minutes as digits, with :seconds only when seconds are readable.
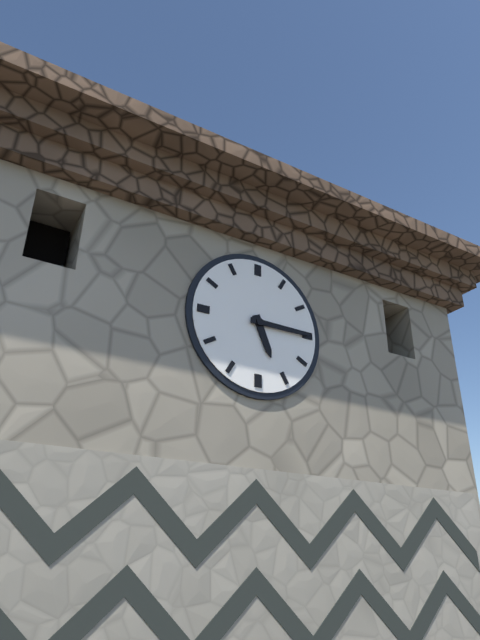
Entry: 5:15
